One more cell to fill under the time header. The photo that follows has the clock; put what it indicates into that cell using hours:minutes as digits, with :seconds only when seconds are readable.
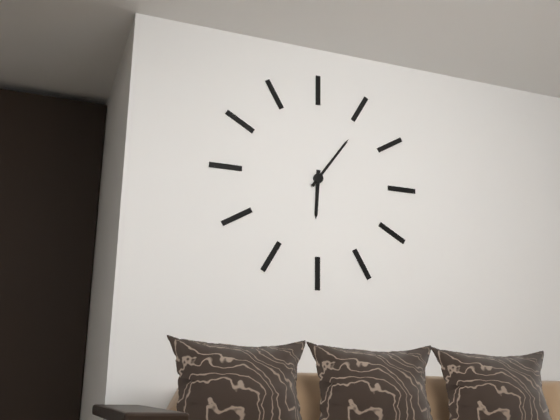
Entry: 6:06
